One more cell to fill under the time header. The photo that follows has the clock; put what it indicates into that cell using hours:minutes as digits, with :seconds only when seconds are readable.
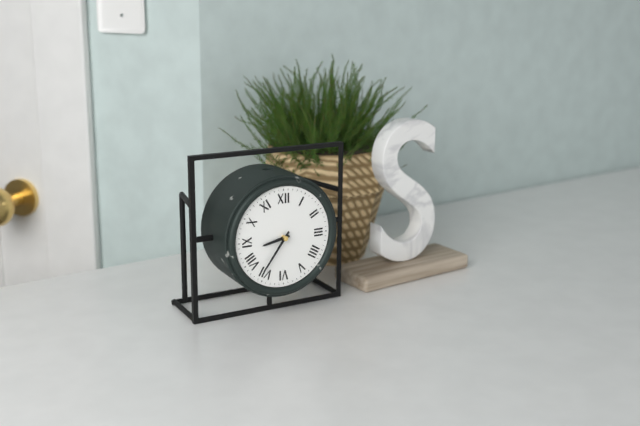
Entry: 8:36
